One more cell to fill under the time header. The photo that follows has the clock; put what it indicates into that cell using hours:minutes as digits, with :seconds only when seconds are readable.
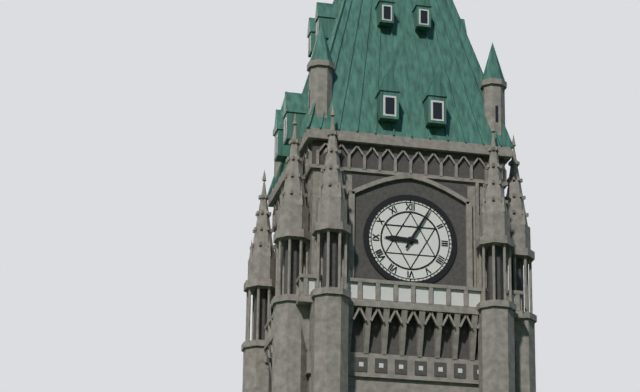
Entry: 9:05
